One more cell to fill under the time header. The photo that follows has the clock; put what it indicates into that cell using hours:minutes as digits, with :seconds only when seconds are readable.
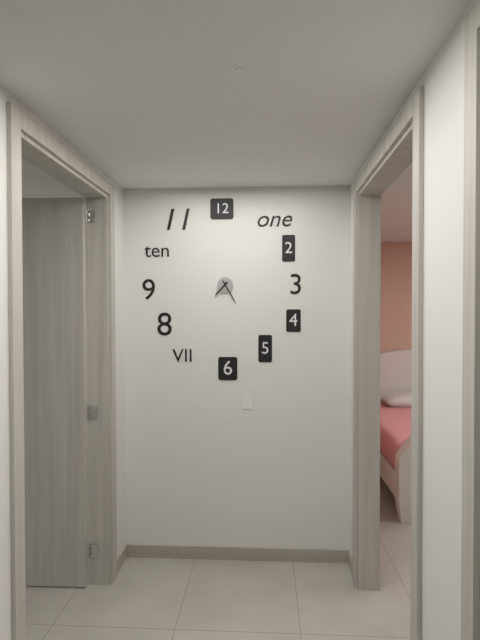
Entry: 7:25
